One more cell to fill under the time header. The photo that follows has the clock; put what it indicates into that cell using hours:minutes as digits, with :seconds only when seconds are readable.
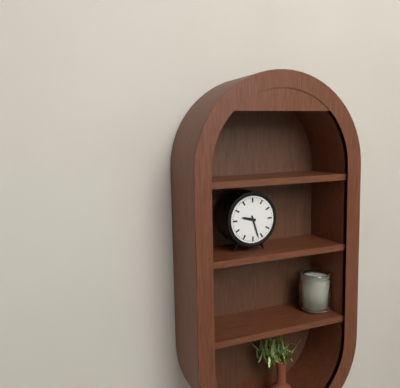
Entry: 9:27
